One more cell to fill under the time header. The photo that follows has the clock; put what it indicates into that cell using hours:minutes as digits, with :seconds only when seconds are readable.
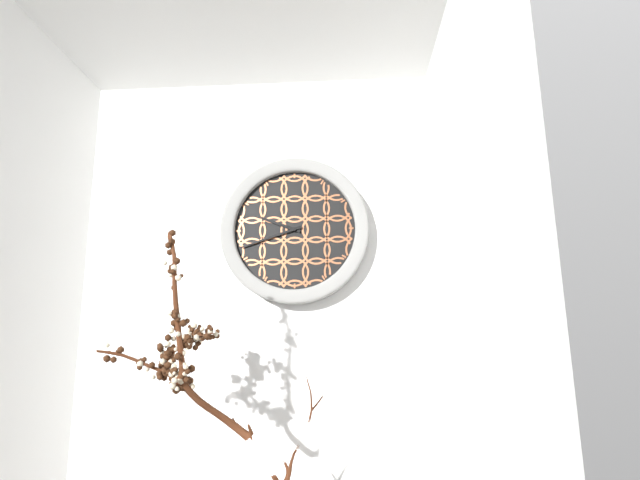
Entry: 9:42
